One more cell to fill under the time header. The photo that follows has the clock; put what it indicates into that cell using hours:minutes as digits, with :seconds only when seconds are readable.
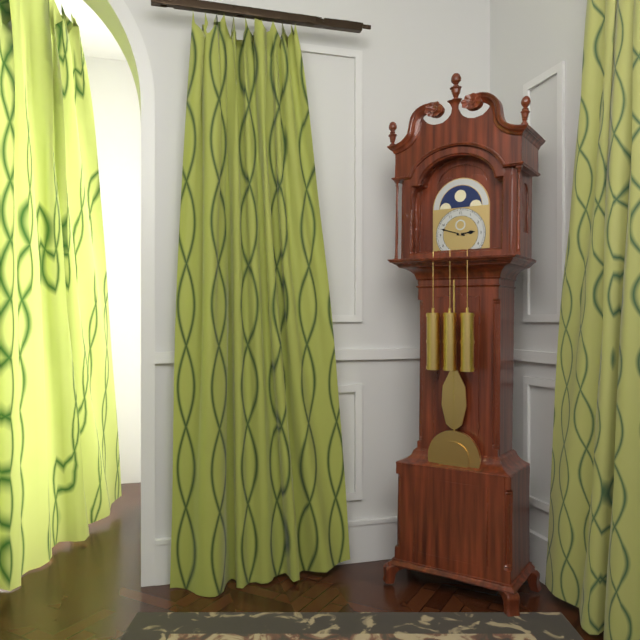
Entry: 2:48
